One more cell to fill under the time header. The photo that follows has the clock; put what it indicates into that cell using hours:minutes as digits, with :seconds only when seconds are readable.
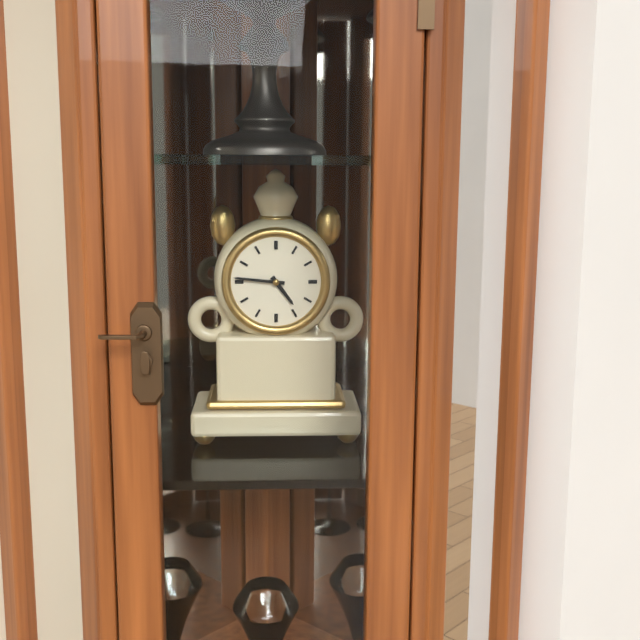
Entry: 4:46
